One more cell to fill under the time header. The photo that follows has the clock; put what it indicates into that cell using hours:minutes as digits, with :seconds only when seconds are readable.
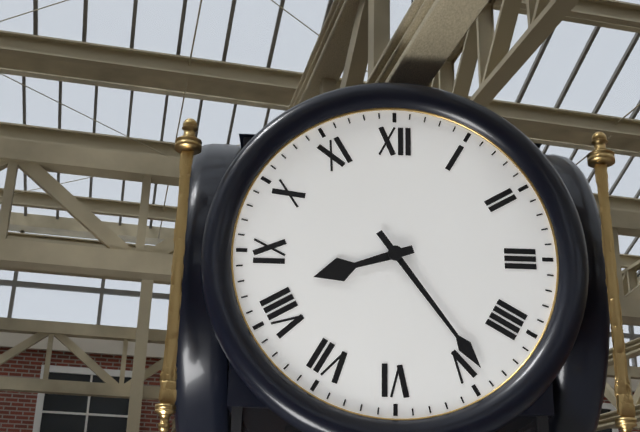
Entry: 8:24
